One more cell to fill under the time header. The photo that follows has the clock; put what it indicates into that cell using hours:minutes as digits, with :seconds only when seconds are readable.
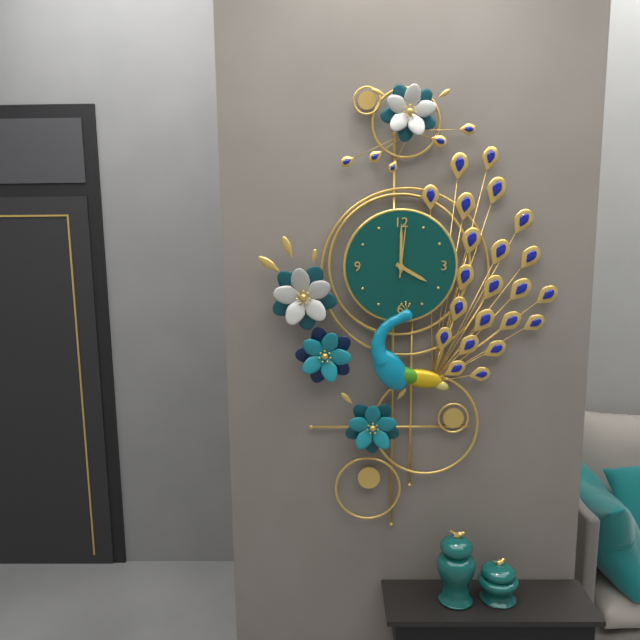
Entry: 4:00:01
